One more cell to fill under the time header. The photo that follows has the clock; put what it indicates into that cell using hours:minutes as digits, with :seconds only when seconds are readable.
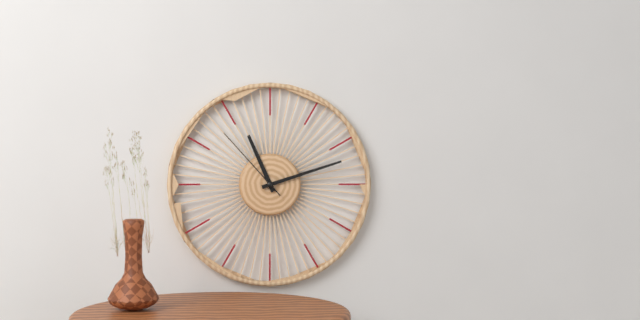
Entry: 11:12:53
